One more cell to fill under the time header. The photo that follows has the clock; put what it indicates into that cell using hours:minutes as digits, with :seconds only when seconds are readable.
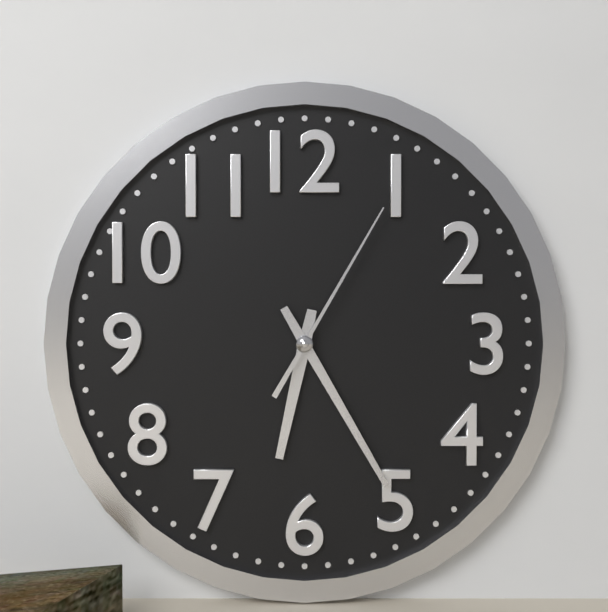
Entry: 6:25:05
